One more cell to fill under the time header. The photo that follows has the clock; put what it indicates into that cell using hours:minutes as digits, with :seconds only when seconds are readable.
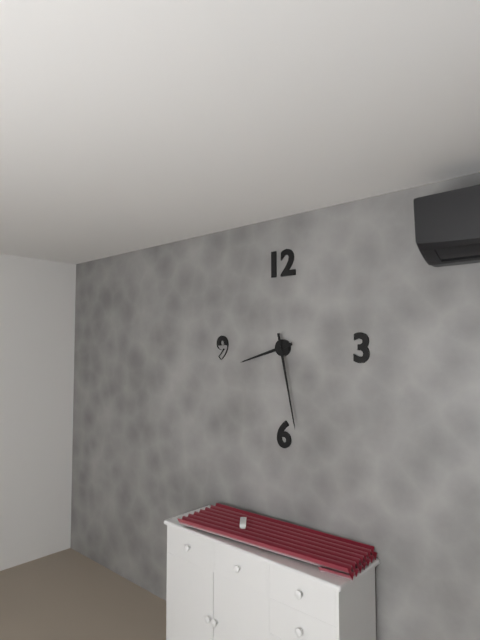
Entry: 8:28
